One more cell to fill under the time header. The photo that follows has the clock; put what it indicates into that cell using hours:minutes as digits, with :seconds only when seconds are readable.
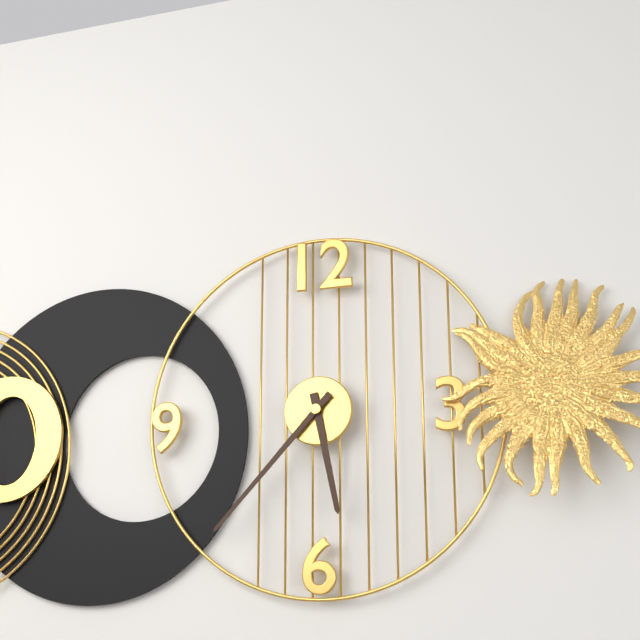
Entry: 5:37
